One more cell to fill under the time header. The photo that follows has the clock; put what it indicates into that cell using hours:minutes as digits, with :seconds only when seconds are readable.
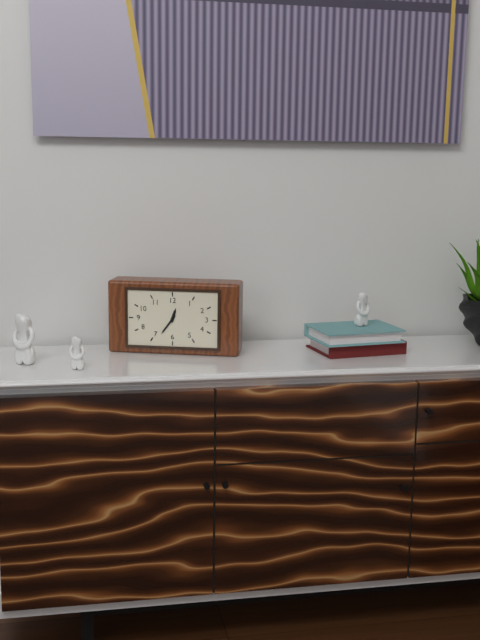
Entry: 12:36
